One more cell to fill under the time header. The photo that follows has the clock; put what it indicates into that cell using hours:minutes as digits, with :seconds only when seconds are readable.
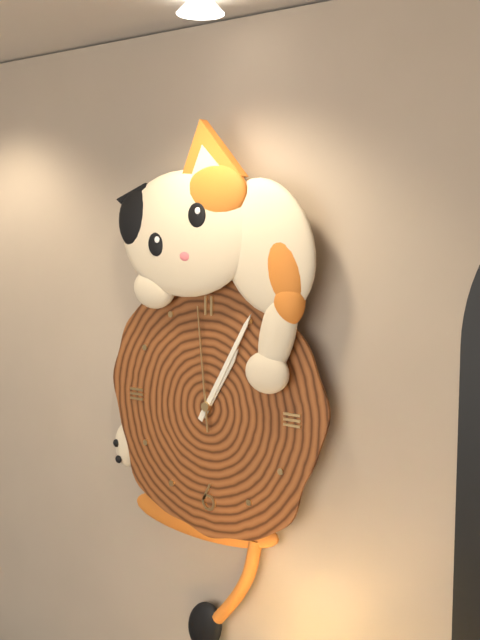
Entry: 1:05:59
